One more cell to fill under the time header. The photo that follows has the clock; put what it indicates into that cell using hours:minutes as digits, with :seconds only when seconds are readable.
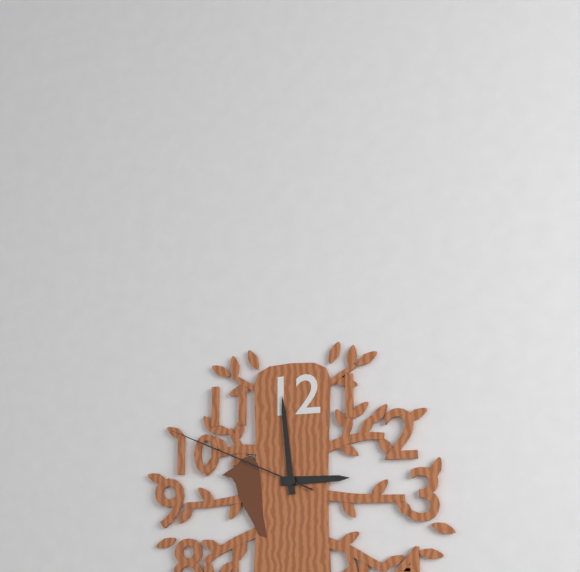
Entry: 2:59:49
